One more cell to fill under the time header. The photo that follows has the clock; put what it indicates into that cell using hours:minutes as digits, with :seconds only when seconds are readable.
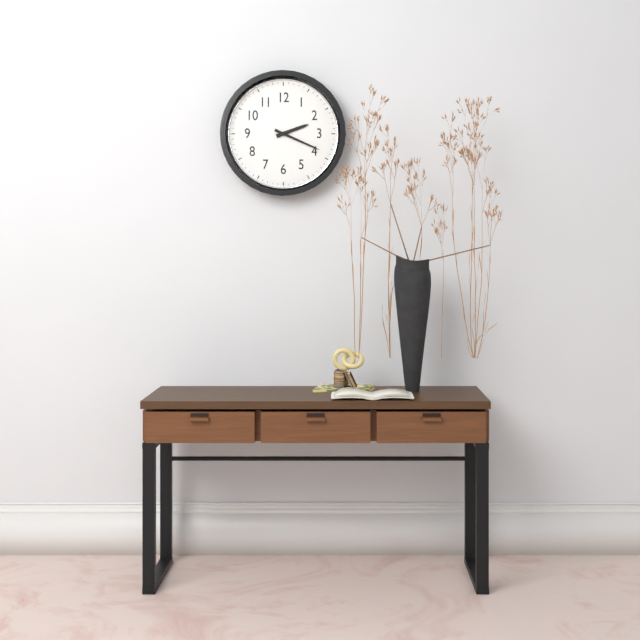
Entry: 2:19
